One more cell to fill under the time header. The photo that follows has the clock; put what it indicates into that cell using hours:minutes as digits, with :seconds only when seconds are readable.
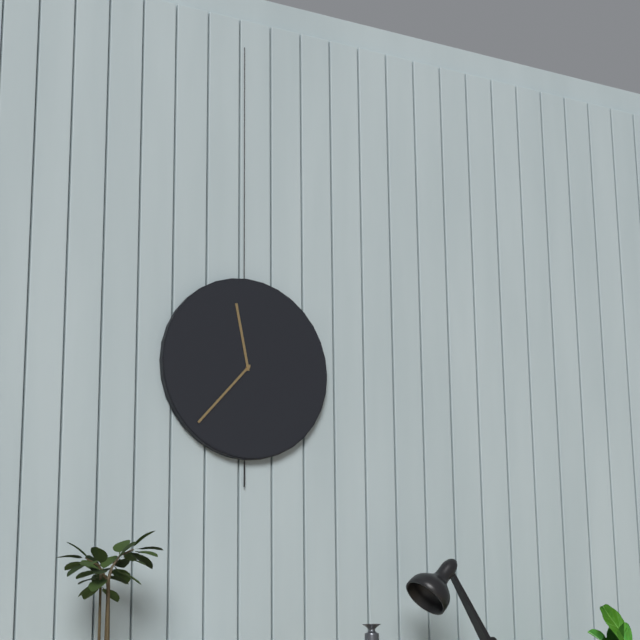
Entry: 11:37
